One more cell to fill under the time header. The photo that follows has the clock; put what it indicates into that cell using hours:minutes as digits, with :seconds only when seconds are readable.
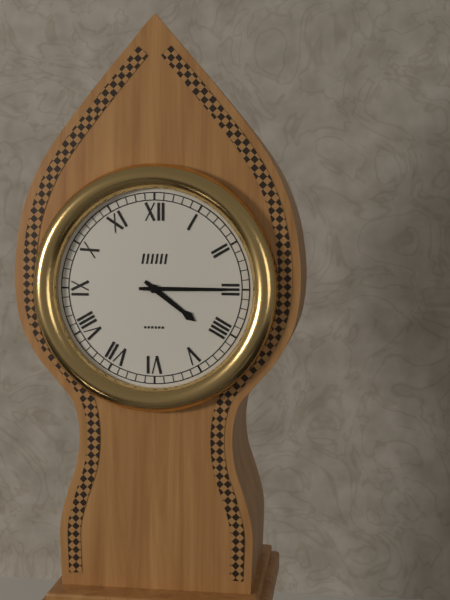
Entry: 4:15
